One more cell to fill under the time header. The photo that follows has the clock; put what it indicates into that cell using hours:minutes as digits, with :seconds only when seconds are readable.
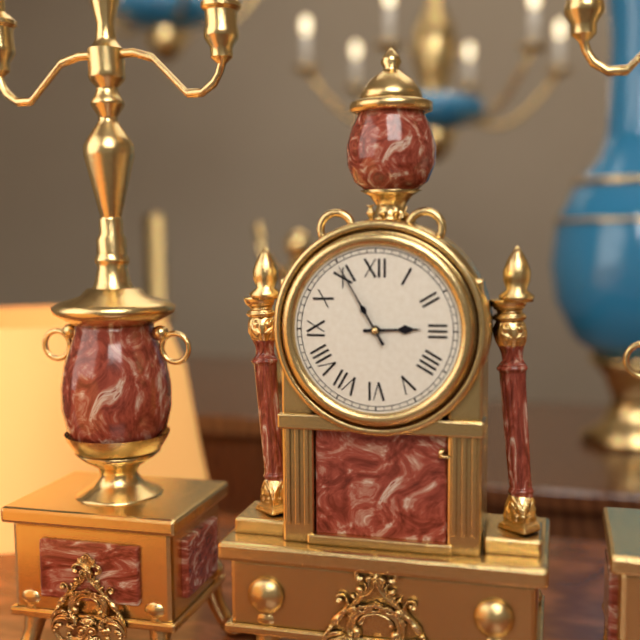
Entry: 2:55
